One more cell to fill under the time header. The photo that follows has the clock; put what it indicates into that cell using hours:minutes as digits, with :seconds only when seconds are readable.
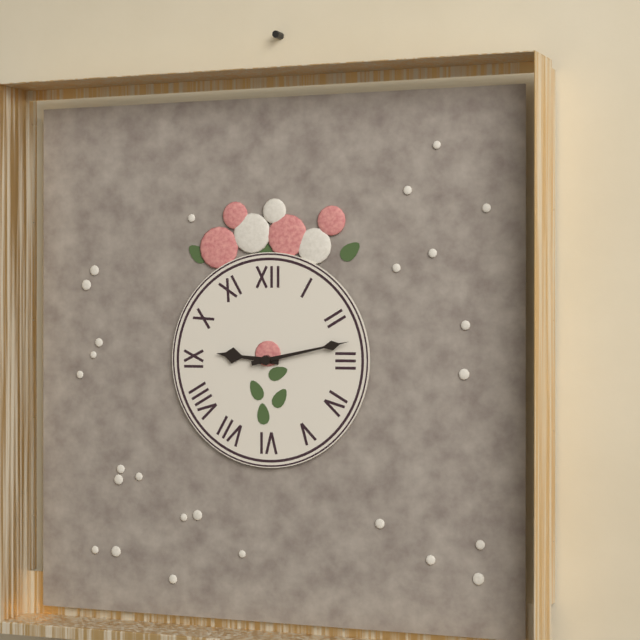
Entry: 9:13
